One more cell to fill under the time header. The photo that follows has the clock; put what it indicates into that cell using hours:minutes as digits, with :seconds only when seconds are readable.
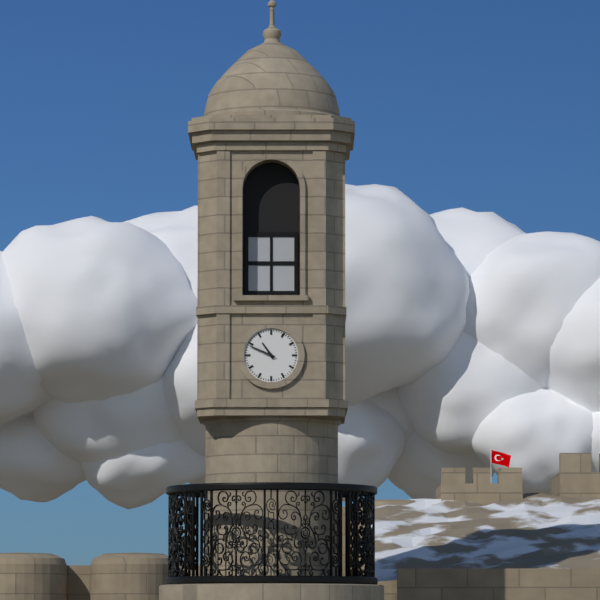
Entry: 10:49
